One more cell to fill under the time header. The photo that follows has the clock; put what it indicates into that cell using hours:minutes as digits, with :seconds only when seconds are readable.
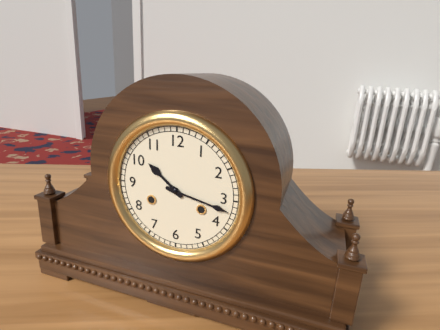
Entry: 10:17
